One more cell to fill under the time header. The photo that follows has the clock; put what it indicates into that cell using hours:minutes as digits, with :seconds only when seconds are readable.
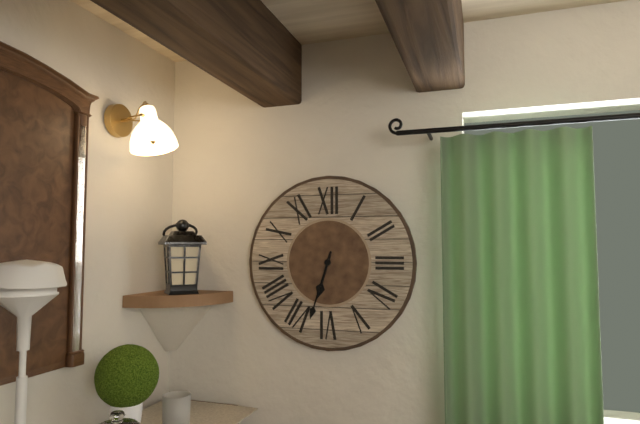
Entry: 6:33
